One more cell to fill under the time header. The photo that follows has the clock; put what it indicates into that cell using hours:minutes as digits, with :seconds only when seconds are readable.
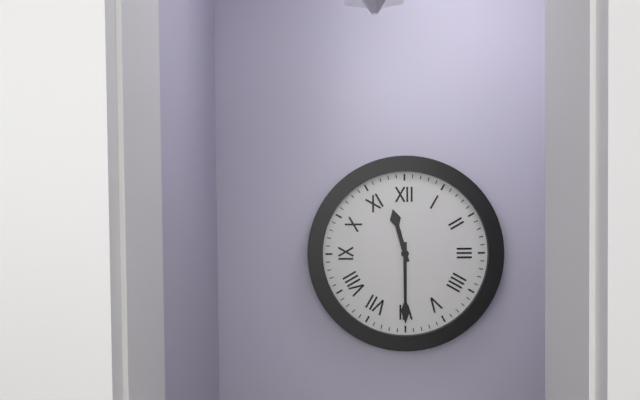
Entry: 11:30
